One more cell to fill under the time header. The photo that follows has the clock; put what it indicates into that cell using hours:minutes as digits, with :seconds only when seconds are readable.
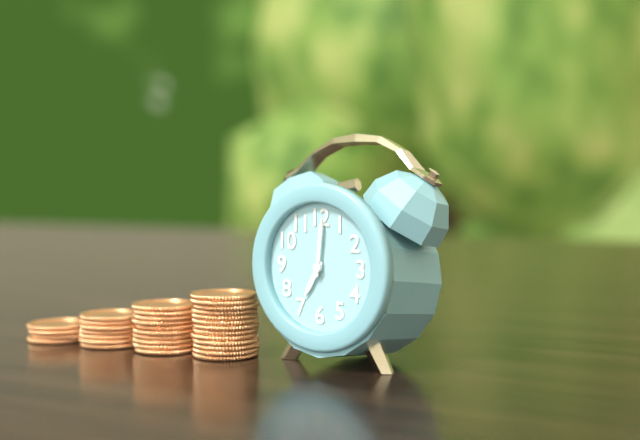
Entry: 7:01
